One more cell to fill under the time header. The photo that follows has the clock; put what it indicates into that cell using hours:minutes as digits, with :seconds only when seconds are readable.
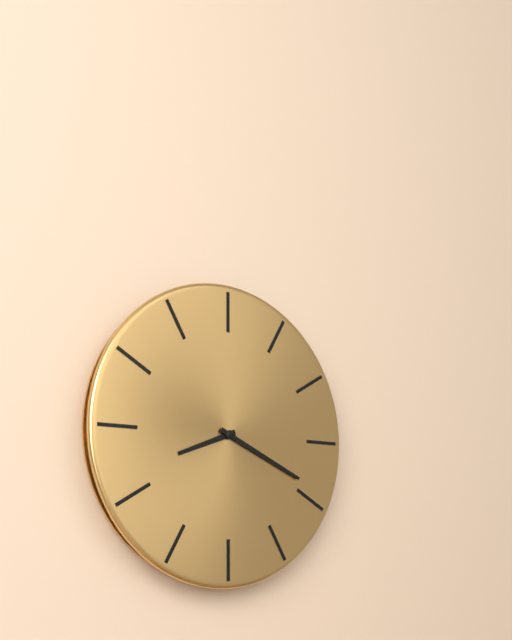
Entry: 8:19
